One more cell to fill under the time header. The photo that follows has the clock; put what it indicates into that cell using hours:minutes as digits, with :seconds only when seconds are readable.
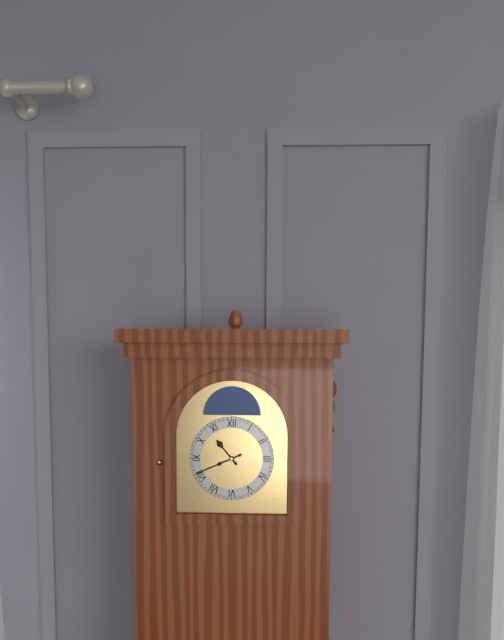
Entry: 10:41
